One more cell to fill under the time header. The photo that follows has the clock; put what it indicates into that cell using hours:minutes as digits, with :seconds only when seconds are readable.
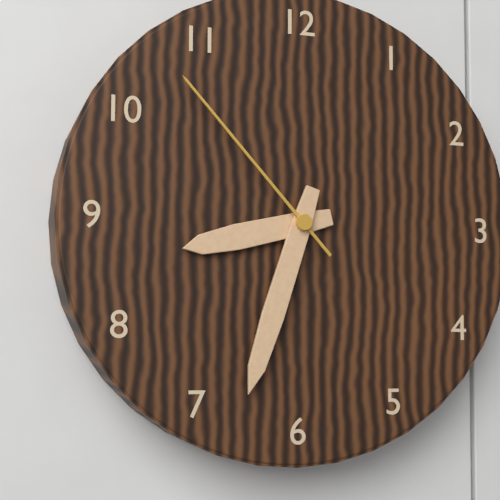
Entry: 8:33:53
